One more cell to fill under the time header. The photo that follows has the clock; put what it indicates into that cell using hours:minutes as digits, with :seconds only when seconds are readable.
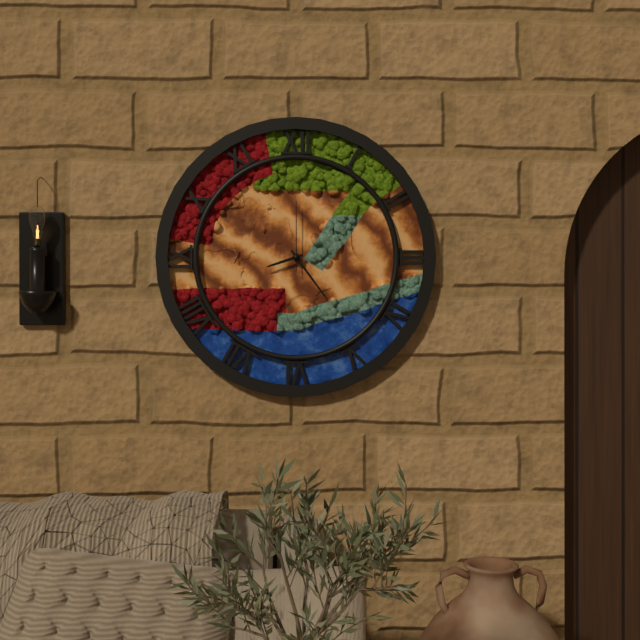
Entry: 8:24:00
